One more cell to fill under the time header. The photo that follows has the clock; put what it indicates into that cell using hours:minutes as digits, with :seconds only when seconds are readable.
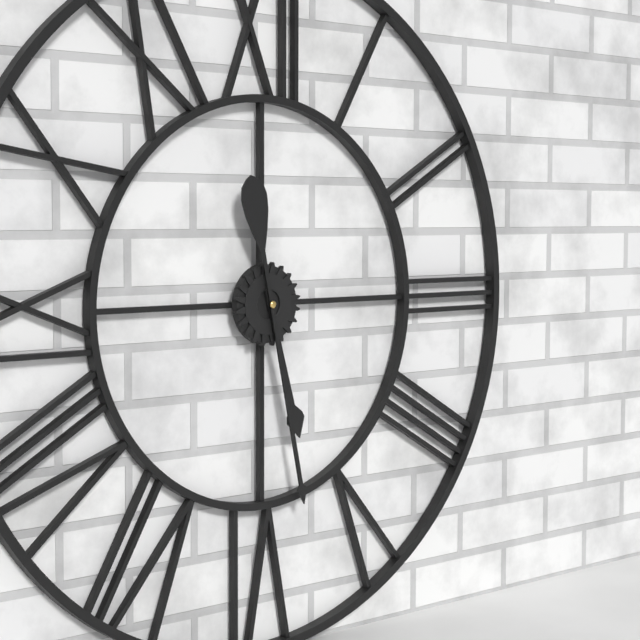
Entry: 5:28
